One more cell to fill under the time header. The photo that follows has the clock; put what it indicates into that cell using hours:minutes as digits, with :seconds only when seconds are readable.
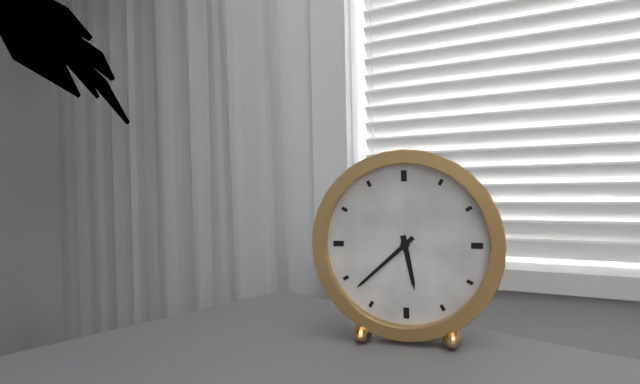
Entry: 5:38
